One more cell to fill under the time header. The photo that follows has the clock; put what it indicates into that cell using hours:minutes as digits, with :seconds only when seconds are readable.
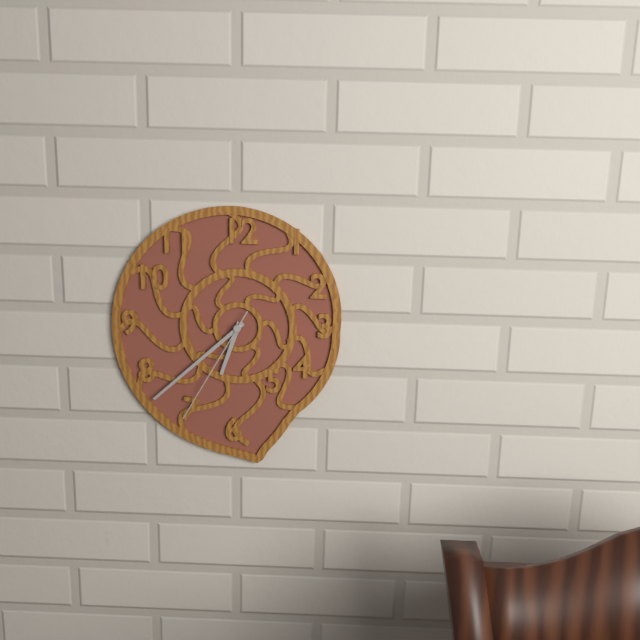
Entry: 6:38:35
